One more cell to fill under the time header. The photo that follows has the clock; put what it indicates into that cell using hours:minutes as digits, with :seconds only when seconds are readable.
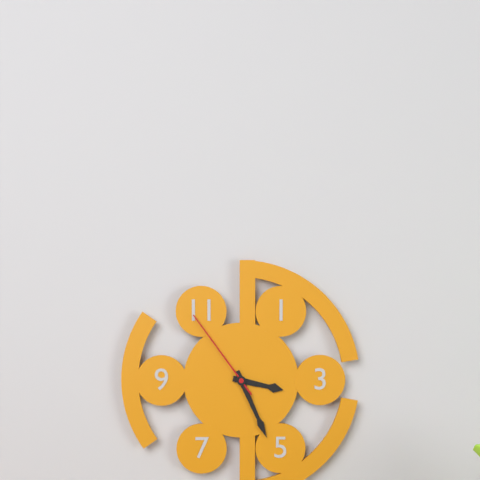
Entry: 3:26:54
